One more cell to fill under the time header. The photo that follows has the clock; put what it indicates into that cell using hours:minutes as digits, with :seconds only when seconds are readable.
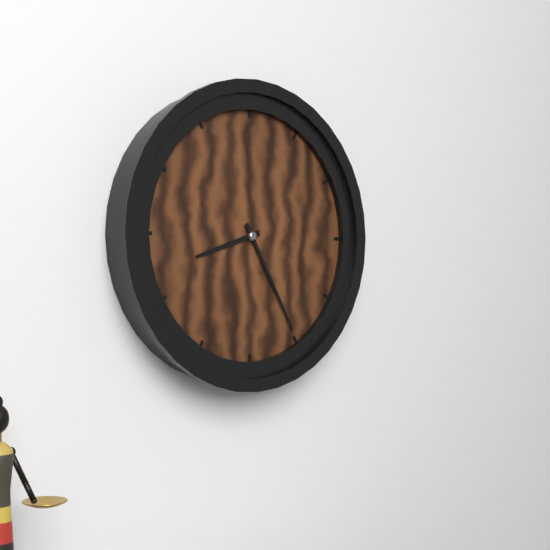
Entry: 8:25
